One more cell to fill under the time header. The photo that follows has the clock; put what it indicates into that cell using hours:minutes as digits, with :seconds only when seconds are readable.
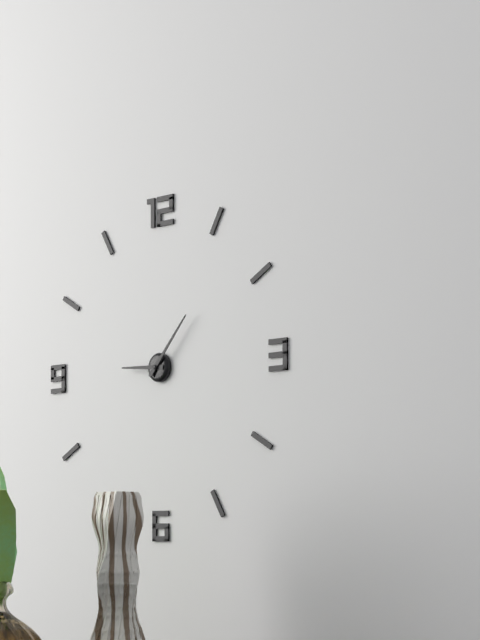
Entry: 9:07
